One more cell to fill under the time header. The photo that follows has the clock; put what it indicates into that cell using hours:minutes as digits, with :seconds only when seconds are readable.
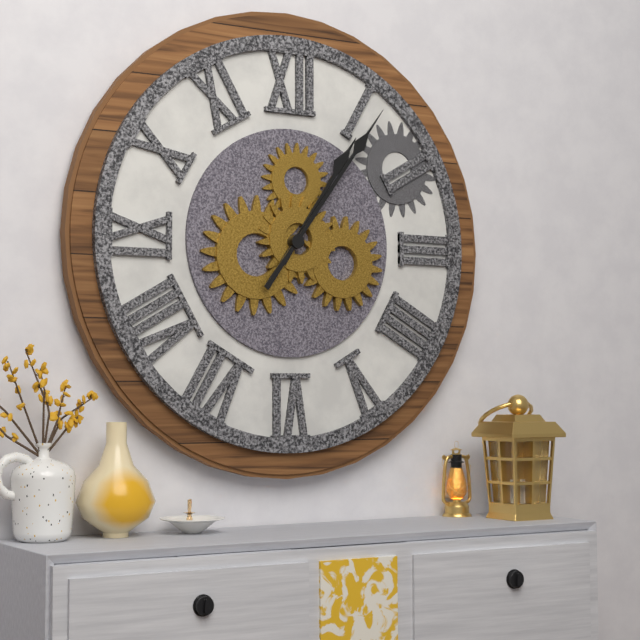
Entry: 1:06
